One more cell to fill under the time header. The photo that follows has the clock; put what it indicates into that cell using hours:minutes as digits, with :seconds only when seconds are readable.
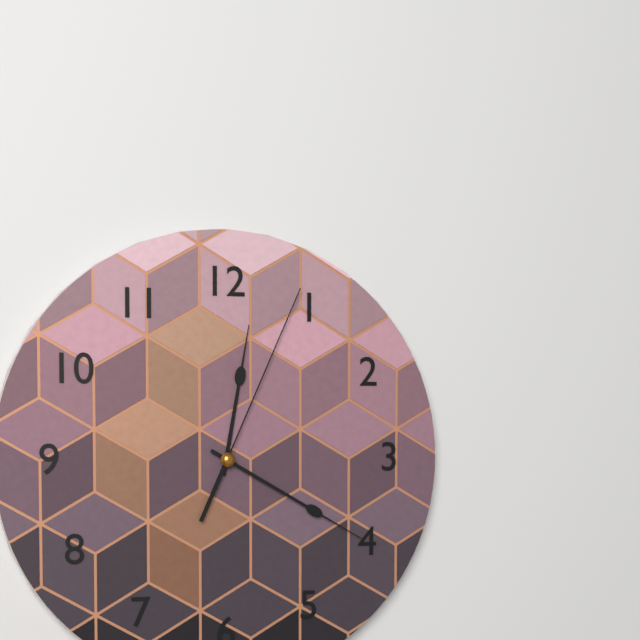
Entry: 12:20:04
